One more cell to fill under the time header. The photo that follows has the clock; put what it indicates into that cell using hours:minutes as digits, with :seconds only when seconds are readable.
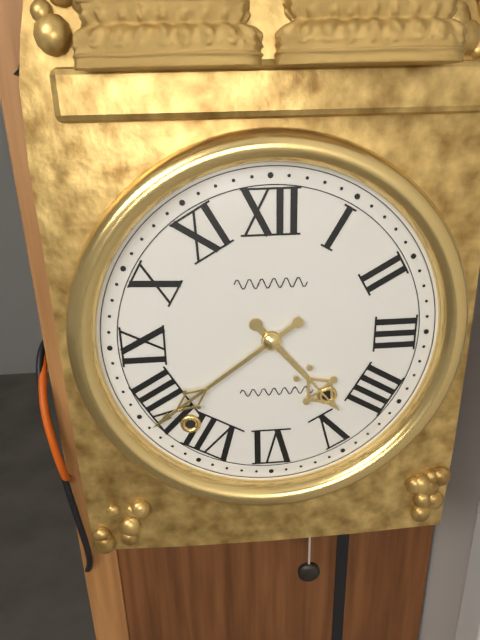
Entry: 4:39
